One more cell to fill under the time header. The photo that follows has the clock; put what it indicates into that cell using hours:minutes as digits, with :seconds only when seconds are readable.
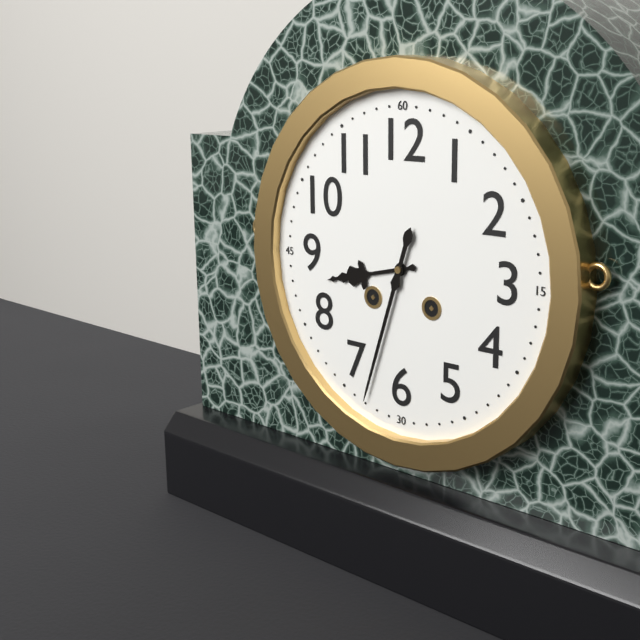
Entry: 8:33
